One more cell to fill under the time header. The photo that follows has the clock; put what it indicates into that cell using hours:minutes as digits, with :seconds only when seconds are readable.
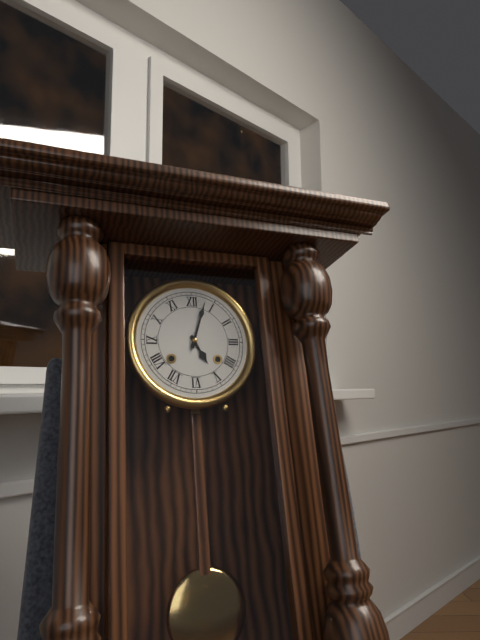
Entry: 5:03
